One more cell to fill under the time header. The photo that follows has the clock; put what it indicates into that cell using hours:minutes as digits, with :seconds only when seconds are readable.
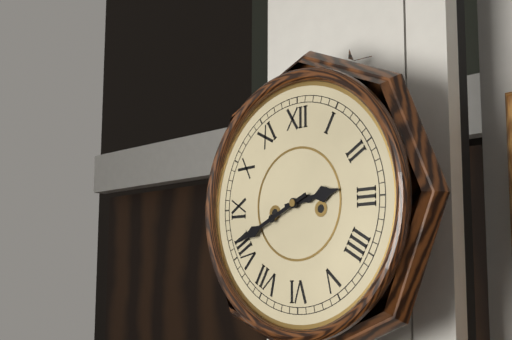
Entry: 2:41
